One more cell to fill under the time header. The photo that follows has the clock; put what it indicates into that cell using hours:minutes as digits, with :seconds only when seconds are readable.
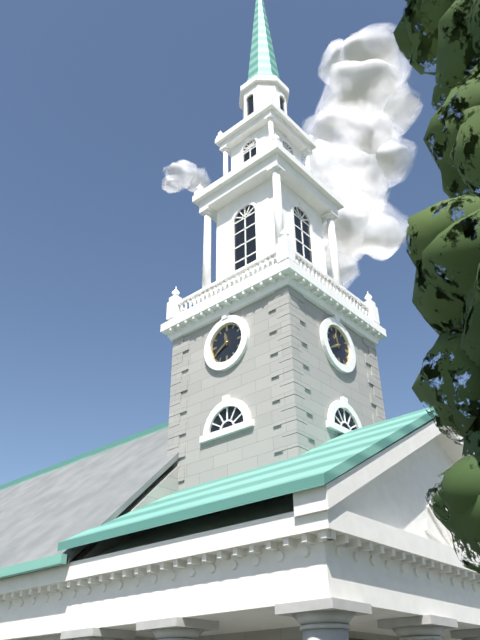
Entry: 11:40
